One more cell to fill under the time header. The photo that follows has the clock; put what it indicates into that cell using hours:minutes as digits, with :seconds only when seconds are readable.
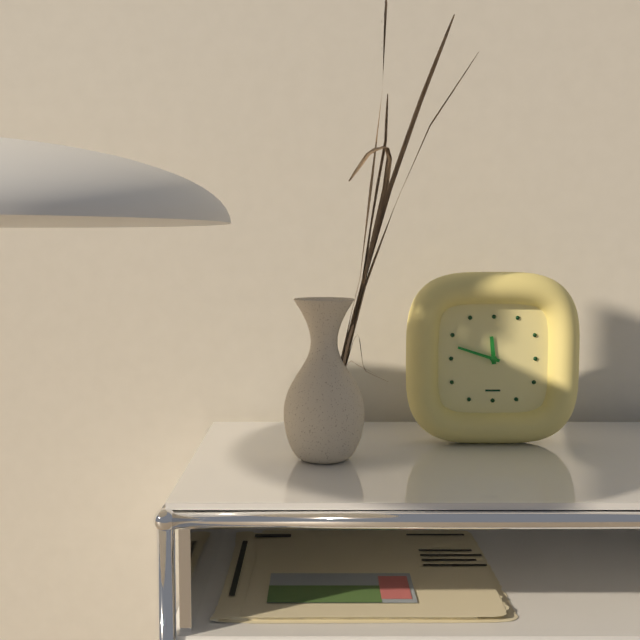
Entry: 11:48
